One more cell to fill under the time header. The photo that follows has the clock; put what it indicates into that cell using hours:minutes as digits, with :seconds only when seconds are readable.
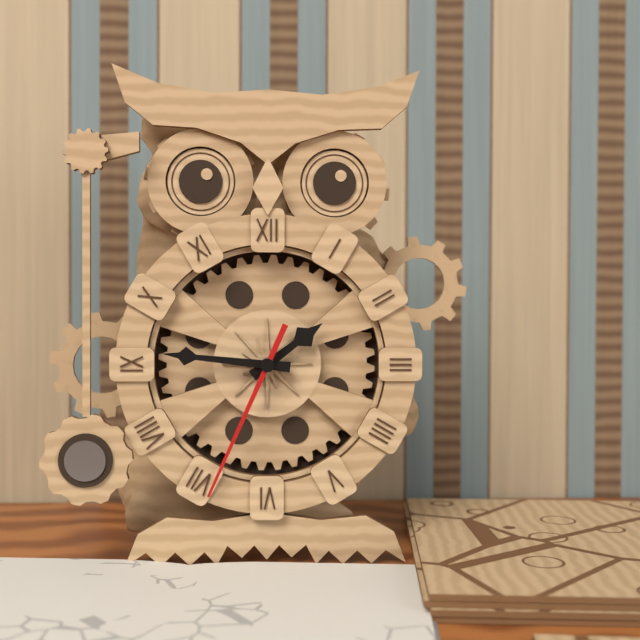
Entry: 1:46:34
